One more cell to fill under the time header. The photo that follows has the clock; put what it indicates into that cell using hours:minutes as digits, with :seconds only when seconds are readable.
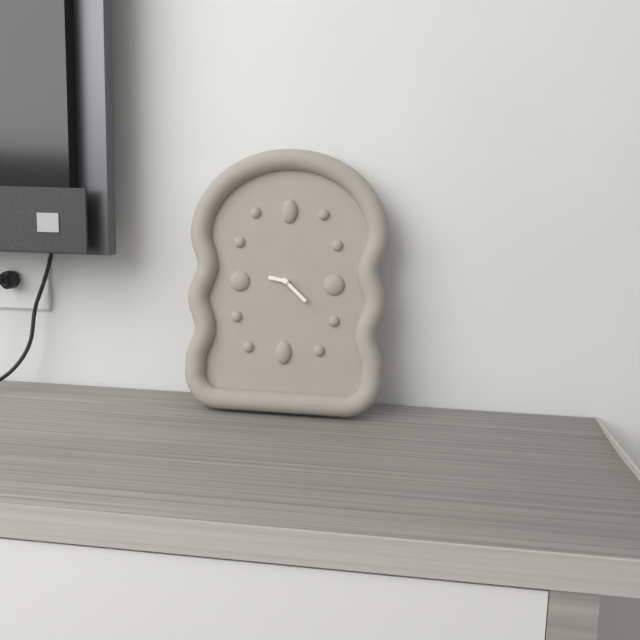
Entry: 9:22
